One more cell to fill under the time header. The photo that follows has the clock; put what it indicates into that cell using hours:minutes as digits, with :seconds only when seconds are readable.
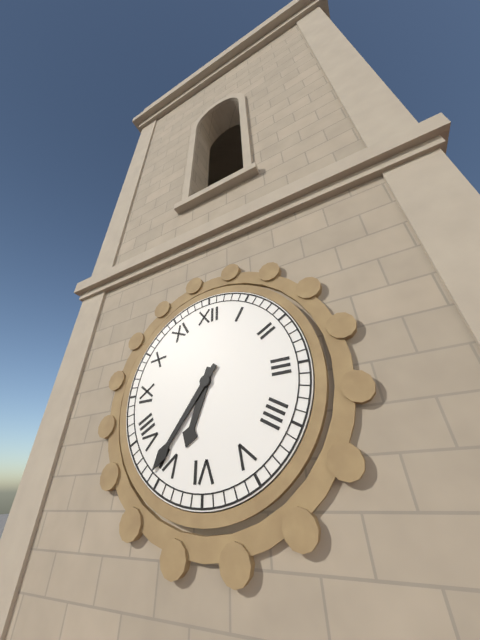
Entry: 6:36
